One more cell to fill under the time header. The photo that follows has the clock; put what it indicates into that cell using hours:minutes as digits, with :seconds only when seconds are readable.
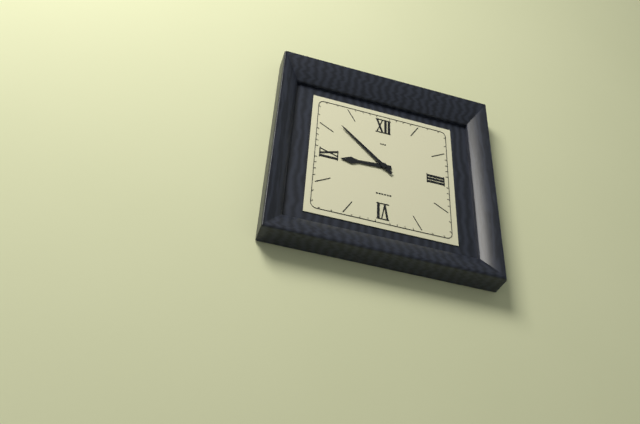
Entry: 8:52
